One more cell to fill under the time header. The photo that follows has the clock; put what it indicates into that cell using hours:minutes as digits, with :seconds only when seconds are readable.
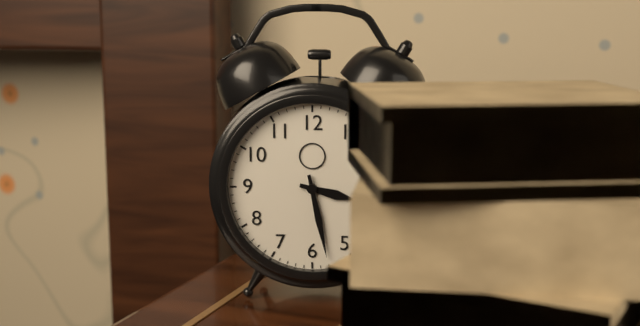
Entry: 3:28
